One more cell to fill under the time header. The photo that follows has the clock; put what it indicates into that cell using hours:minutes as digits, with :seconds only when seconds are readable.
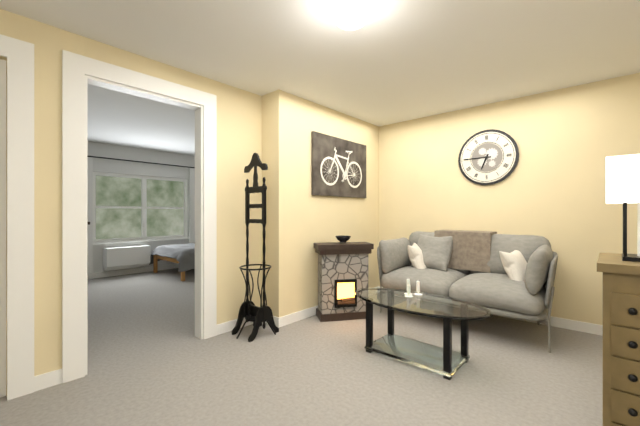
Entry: 6:45
